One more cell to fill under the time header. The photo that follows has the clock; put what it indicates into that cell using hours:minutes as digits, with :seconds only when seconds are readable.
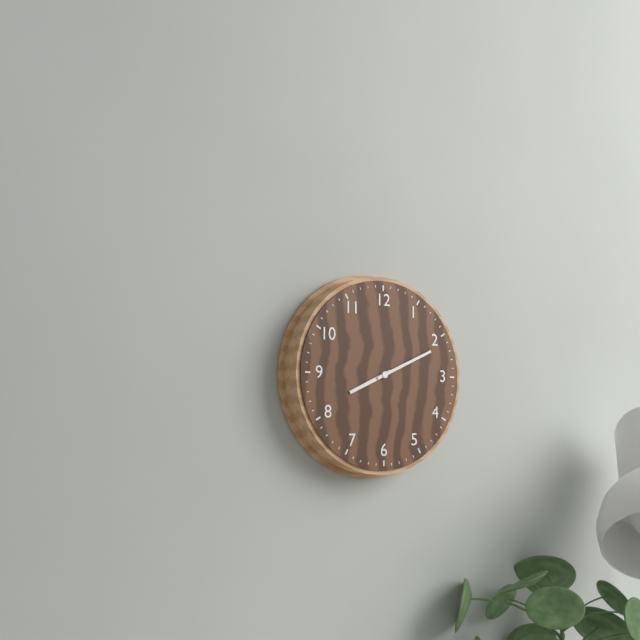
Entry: 8:11
